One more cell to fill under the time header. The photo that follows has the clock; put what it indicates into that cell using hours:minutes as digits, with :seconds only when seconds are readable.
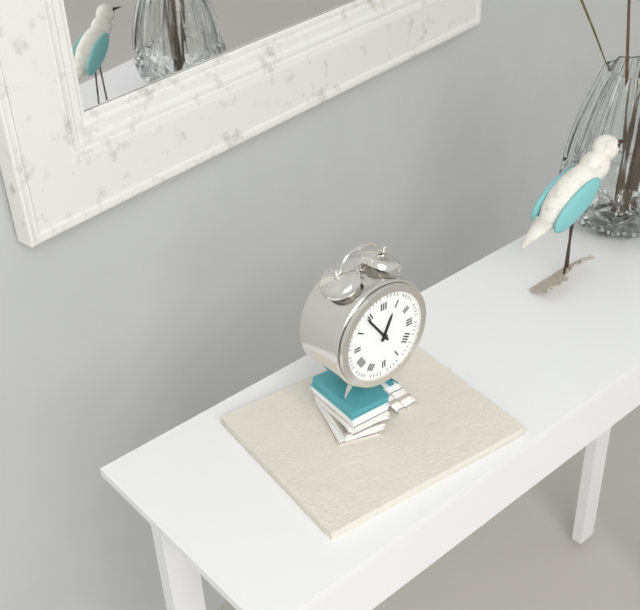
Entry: 12:54
